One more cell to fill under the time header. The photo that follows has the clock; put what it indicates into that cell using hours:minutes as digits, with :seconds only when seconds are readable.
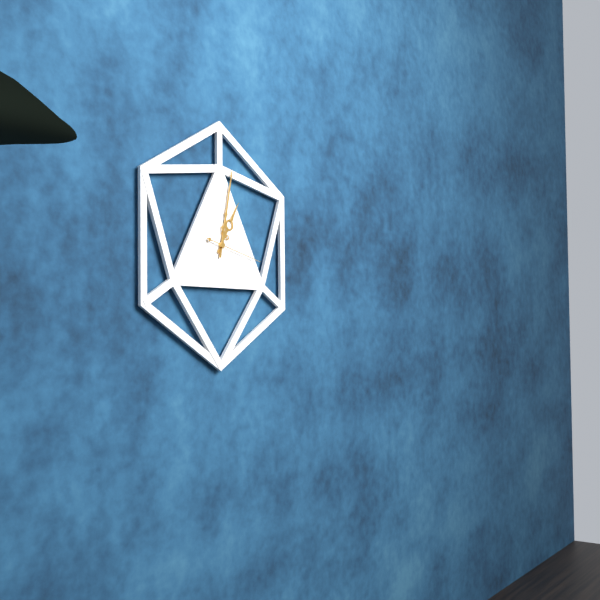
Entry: 1:02:17
